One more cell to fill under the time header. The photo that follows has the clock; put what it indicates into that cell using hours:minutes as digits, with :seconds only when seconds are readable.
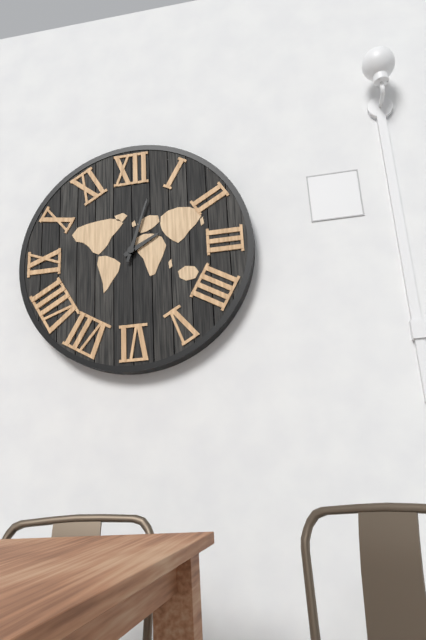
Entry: 2:03
